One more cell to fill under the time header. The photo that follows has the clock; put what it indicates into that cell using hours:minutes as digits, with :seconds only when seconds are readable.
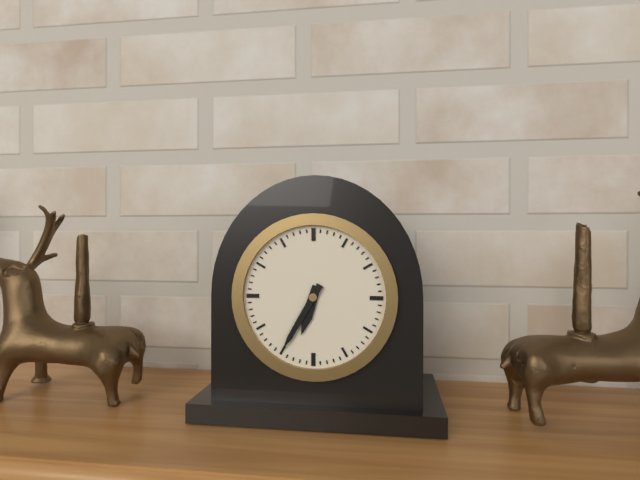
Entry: 6:35
